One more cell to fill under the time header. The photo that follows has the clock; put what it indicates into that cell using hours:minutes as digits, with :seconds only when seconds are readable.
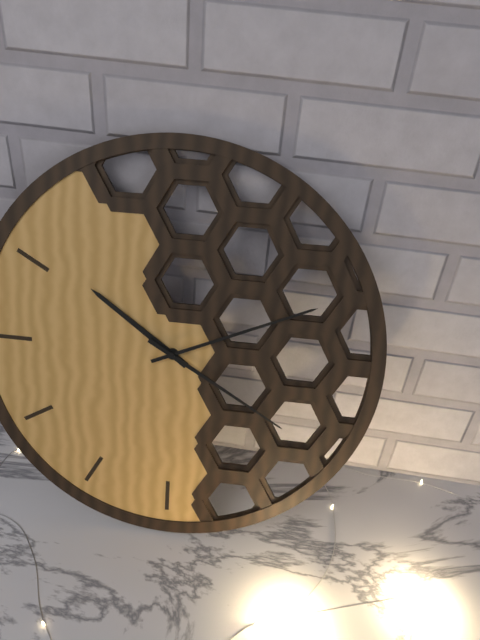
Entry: 10:11:20
